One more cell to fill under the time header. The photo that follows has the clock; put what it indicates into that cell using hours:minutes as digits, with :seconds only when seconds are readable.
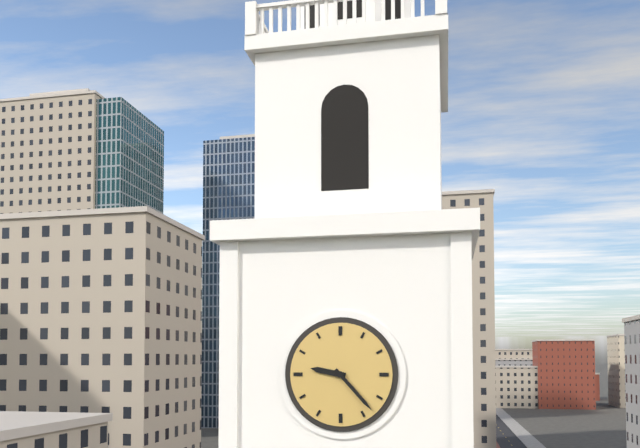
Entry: 9:23
